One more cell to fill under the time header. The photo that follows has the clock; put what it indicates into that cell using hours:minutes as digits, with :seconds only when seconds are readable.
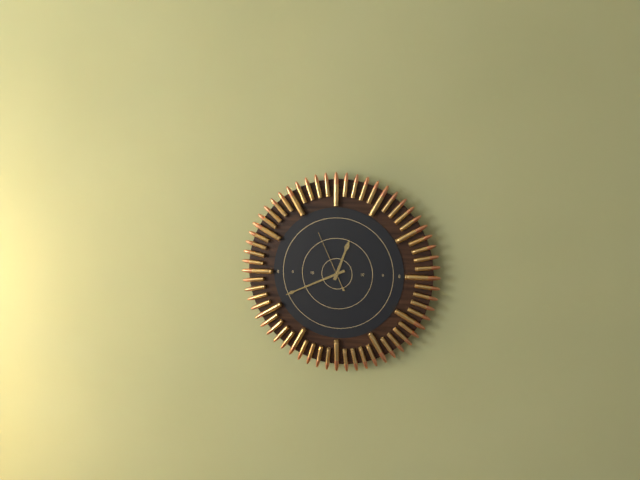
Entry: 12:41:56
